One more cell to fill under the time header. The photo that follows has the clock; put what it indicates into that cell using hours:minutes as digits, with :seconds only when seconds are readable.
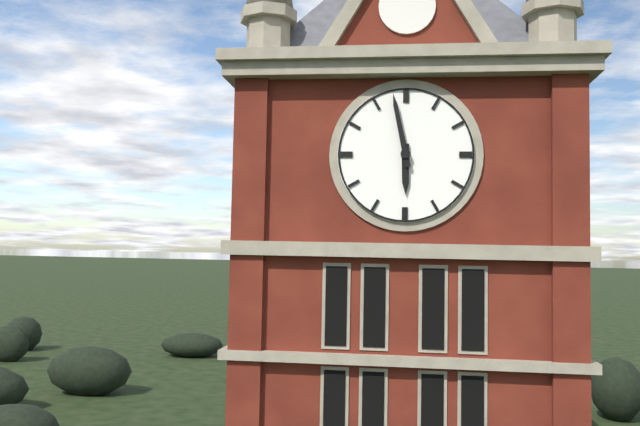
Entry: 5:58
